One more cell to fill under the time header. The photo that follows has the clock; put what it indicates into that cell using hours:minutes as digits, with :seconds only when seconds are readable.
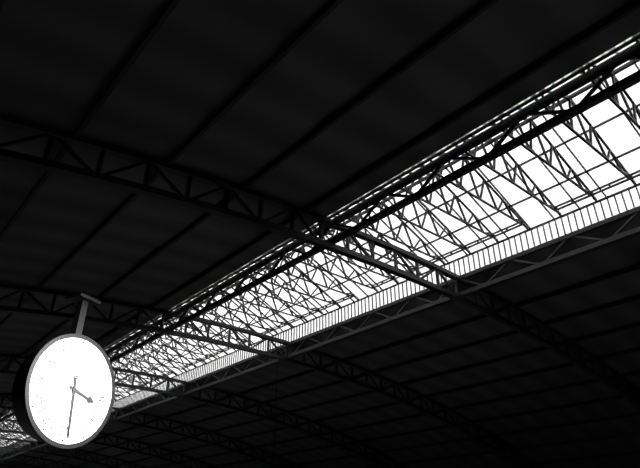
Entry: 3:29
